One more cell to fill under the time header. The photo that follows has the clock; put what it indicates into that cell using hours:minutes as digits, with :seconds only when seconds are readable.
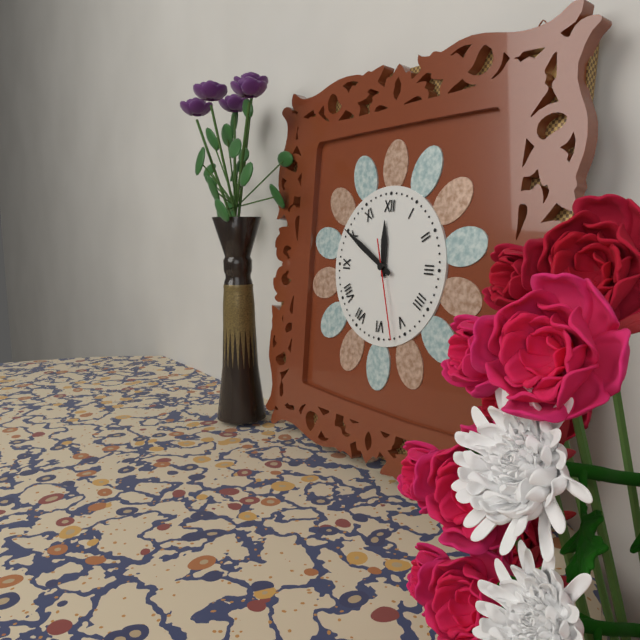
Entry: 11:50:27
